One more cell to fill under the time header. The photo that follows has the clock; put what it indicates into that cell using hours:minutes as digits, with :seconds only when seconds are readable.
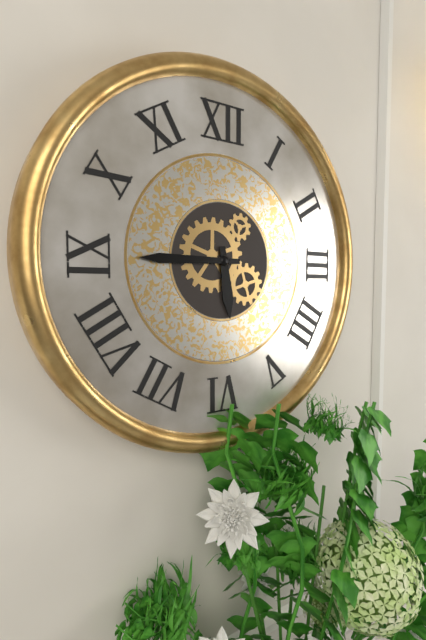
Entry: 5:45
